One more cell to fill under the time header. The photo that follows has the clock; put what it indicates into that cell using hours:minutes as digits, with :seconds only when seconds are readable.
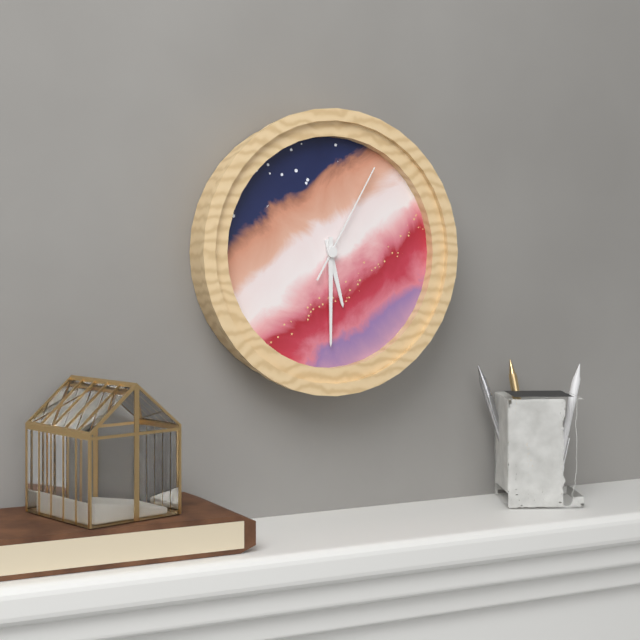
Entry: 5:30:05
